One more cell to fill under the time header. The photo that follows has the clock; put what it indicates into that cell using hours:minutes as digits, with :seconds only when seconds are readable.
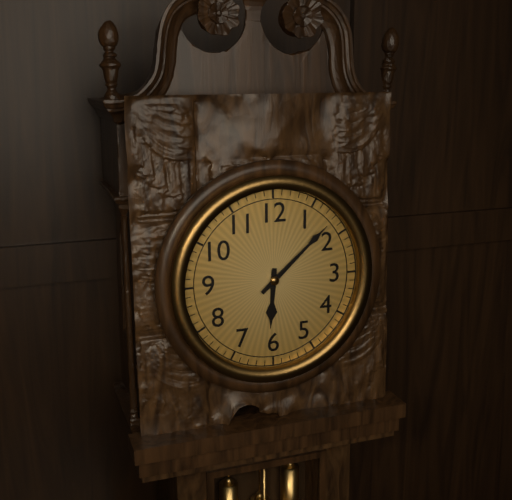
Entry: 6:08
